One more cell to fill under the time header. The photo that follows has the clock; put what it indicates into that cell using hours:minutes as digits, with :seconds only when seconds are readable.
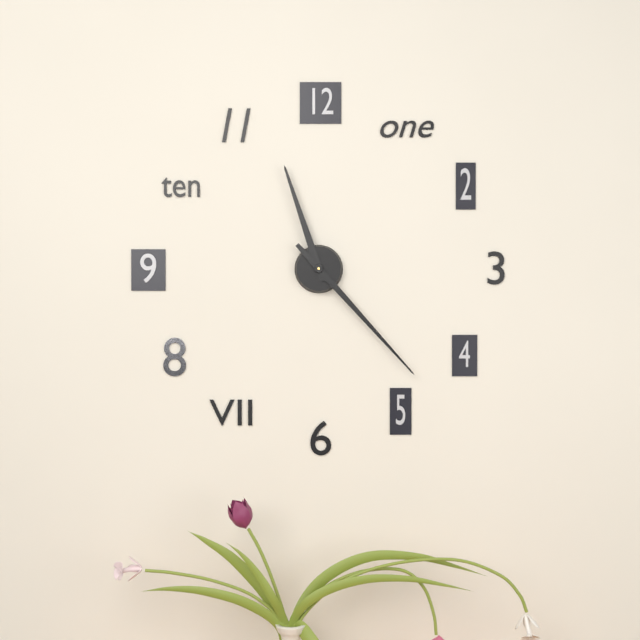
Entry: 11:23
